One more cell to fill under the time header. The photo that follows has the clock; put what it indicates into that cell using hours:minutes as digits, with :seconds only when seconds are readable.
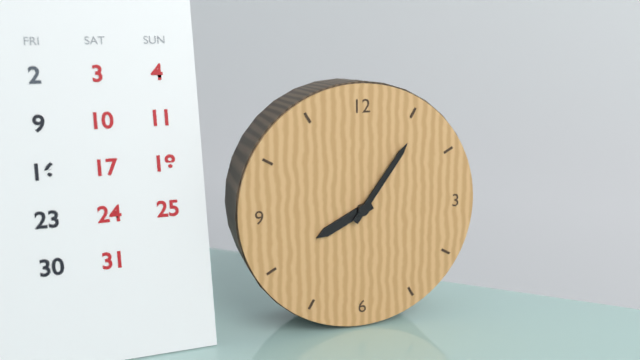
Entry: 8:06
